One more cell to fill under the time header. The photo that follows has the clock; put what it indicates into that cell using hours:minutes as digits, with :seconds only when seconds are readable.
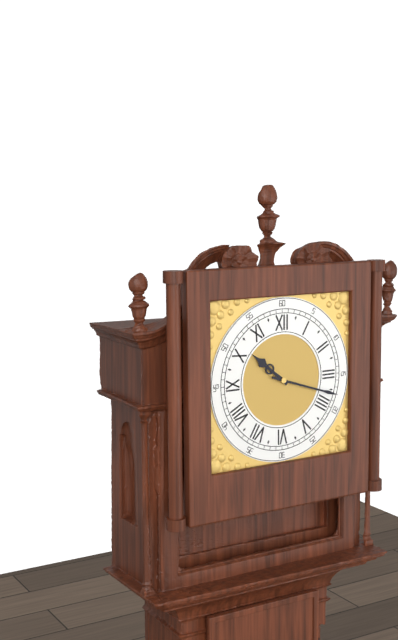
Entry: 10:18
